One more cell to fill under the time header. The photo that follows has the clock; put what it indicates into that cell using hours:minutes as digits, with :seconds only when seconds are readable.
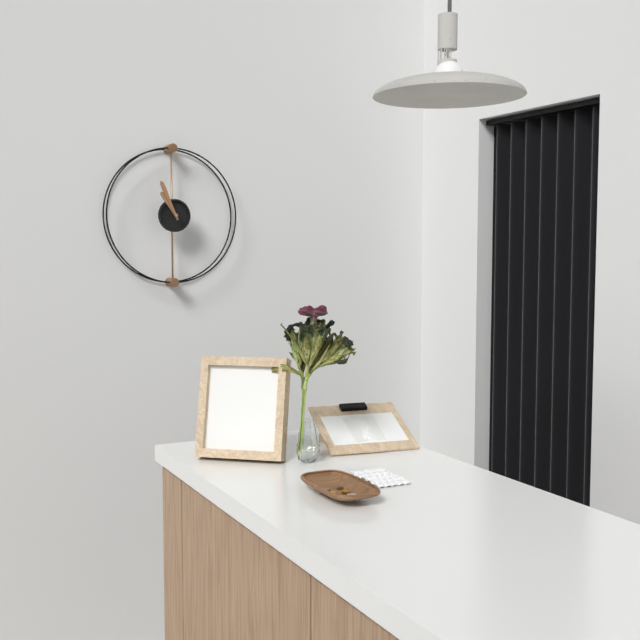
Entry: 10:56
